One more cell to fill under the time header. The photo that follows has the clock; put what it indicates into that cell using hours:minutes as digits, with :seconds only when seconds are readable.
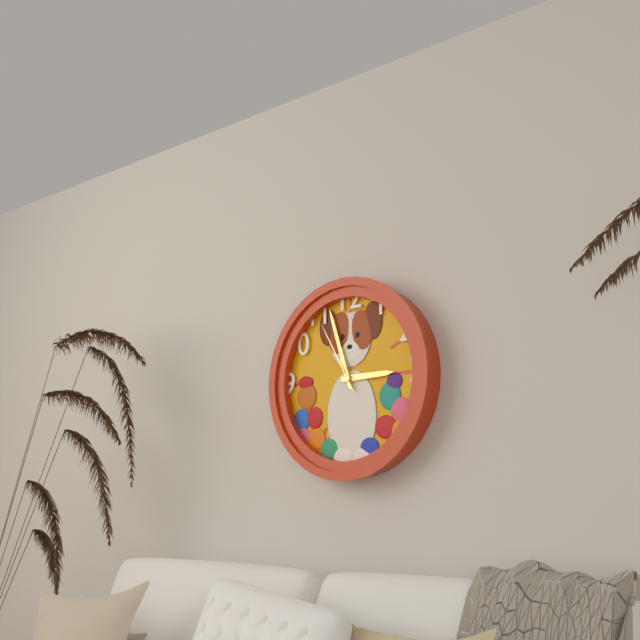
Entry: 2:57:55
